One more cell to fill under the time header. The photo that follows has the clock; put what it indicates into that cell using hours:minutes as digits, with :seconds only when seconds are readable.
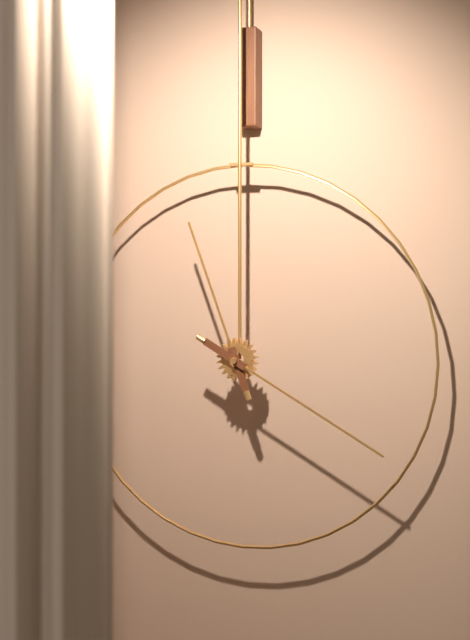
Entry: 11:20
